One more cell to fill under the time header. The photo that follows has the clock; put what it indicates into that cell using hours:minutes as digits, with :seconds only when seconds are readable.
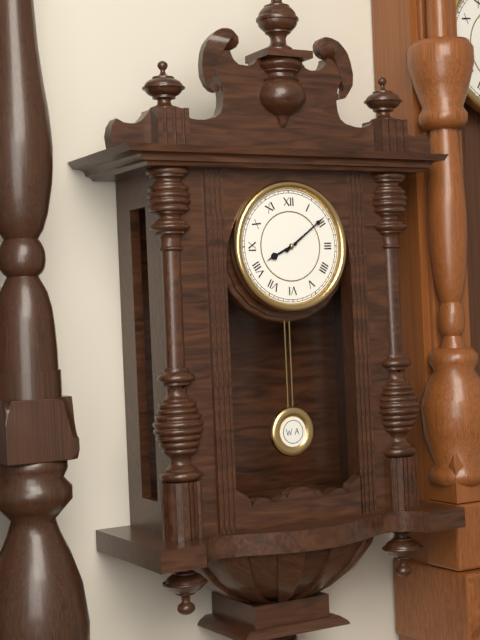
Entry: 8:09
